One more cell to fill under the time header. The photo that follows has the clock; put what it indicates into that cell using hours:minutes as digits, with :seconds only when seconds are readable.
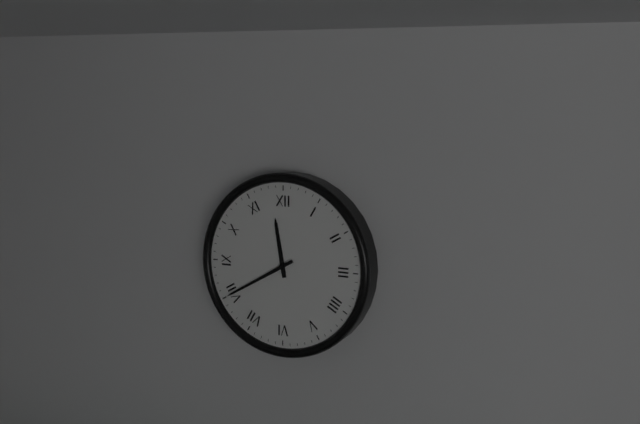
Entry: 11:40
